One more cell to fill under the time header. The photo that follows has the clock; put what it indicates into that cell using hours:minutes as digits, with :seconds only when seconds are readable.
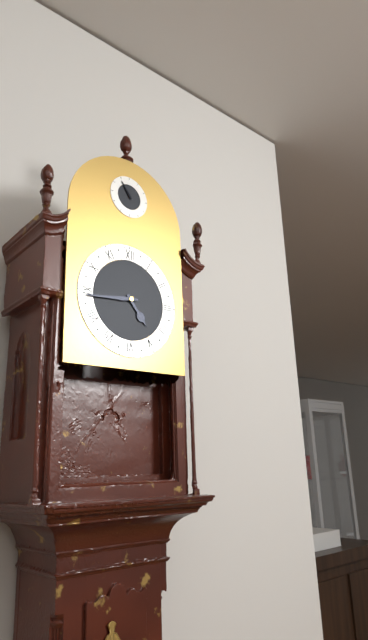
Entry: 4:44
